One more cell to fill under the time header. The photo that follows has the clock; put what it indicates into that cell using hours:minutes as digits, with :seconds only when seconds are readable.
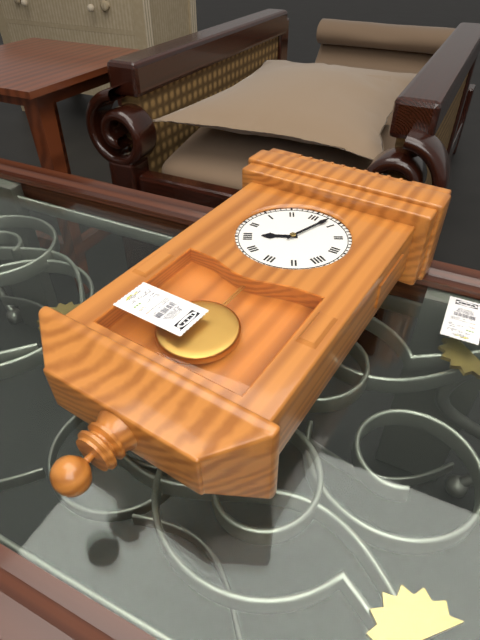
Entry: 8:03
